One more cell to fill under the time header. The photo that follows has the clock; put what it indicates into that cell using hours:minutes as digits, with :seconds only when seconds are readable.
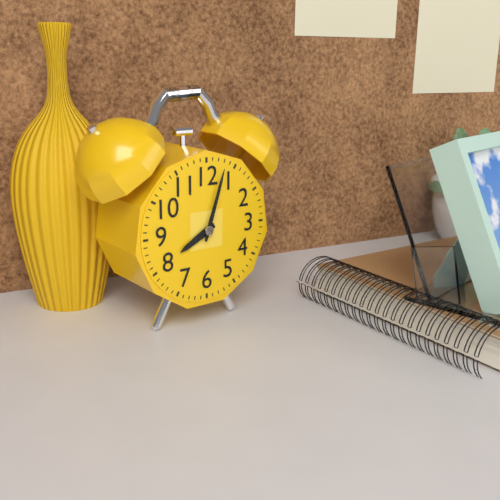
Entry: 8:03
